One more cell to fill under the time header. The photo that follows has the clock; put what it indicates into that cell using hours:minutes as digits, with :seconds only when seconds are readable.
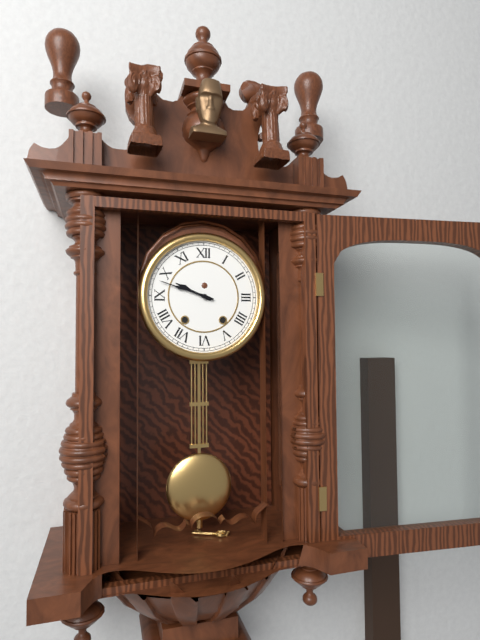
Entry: 9:48
